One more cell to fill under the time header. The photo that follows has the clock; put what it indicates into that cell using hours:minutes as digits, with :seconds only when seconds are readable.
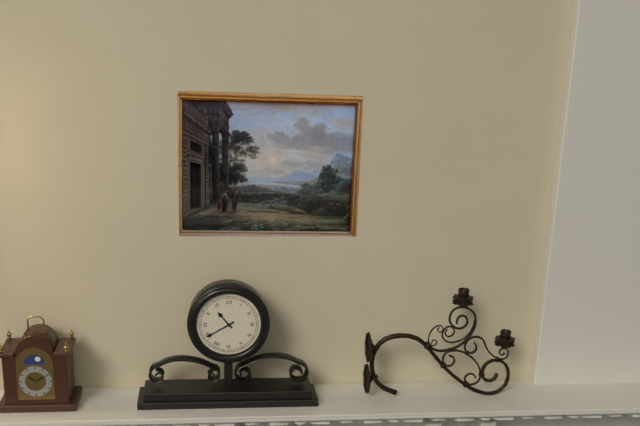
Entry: 10:40
